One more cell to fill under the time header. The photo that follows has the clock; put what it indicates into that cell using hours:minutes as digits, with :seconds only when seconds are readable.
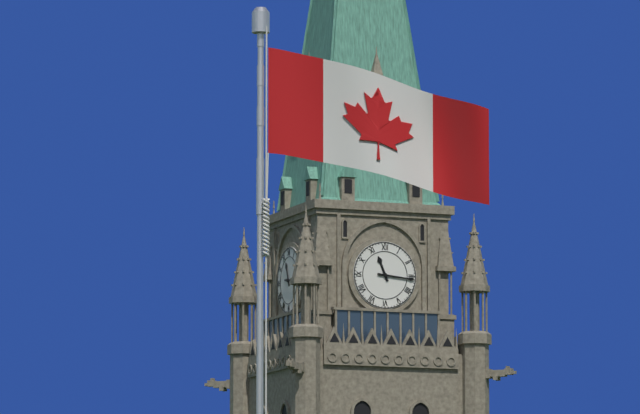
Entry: 11:16
